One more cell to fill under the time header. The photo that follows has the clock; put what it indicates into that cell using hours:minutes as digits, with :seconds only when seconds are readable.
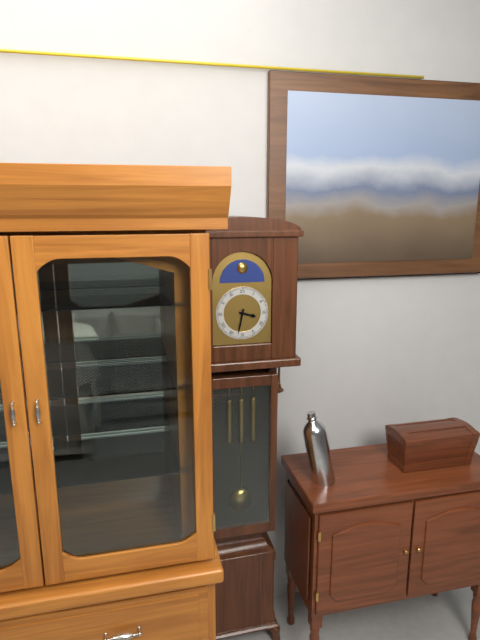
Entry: 3:32
